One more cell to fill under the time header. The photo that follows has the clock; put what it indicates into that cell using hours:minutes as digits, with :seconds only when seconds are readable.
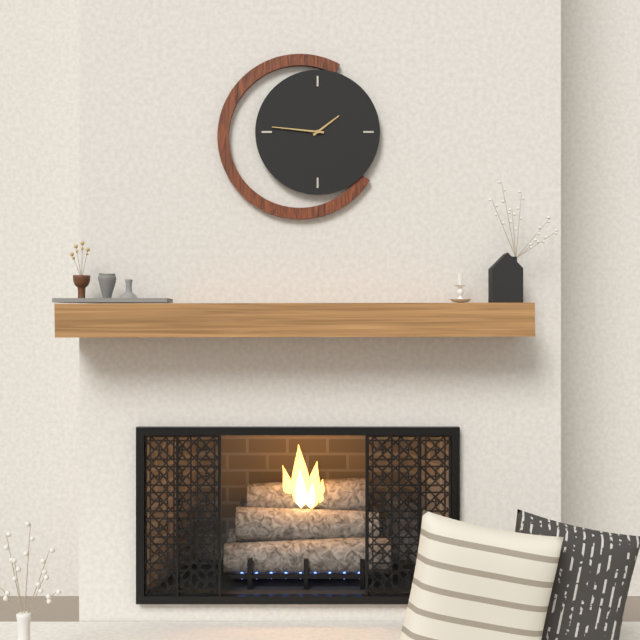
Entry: 1:46
